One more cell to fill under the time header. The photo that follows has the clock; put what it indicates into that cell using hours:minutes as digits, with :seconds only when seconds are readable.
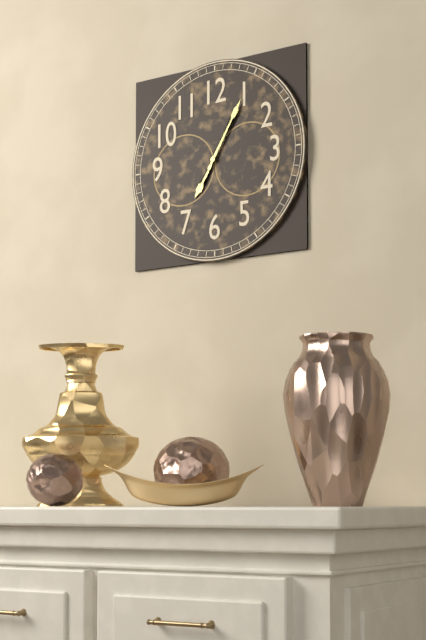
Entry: 7:05
